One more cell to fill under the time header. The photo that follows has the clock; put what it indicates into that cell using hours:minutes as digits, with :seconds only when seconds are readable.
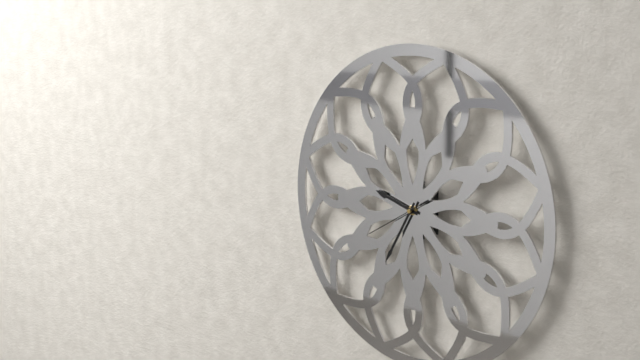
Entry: 9:35:40
